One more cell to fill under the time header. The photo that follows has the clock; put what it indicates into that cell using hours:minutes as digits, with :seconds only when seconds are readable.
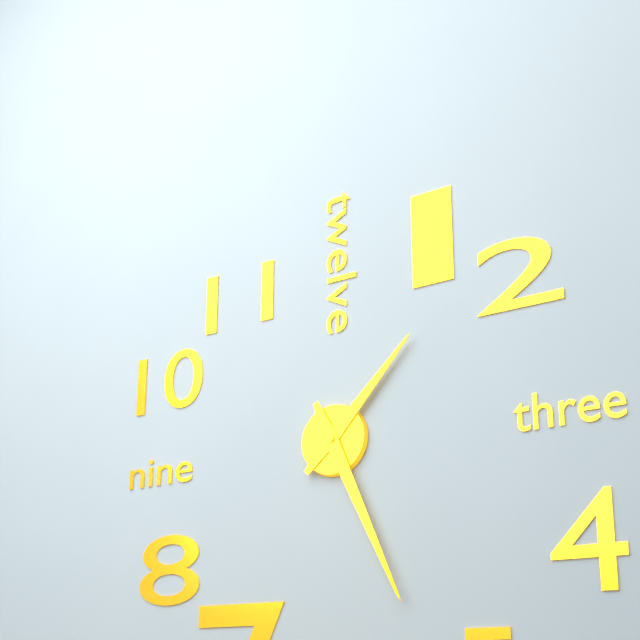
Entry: 1:26
